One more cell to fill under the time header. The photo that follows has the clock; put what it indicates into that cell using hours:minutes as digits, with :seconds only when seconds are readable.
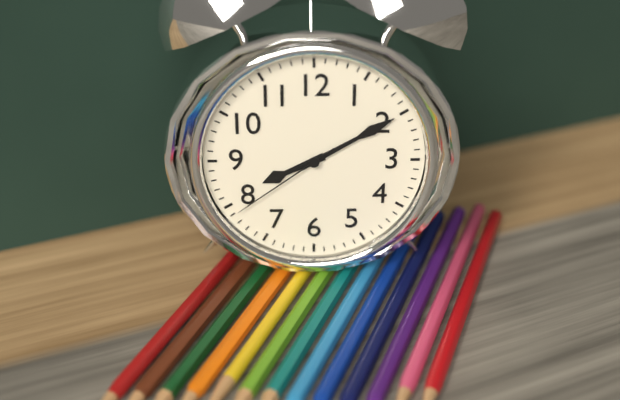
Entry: 8:10:39
